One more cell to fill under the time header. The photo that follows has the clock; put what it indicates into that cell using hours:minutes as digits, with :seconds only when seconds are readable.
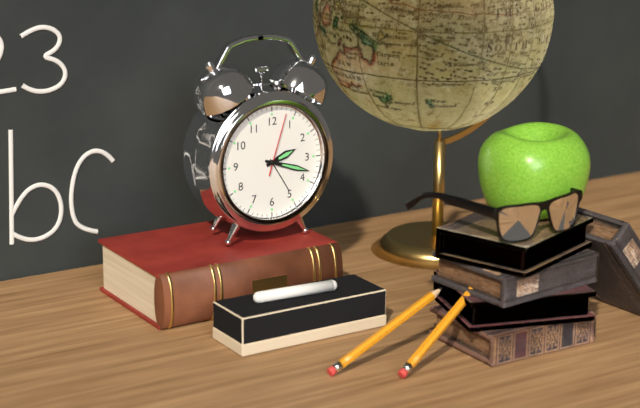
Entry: 2:18:03
